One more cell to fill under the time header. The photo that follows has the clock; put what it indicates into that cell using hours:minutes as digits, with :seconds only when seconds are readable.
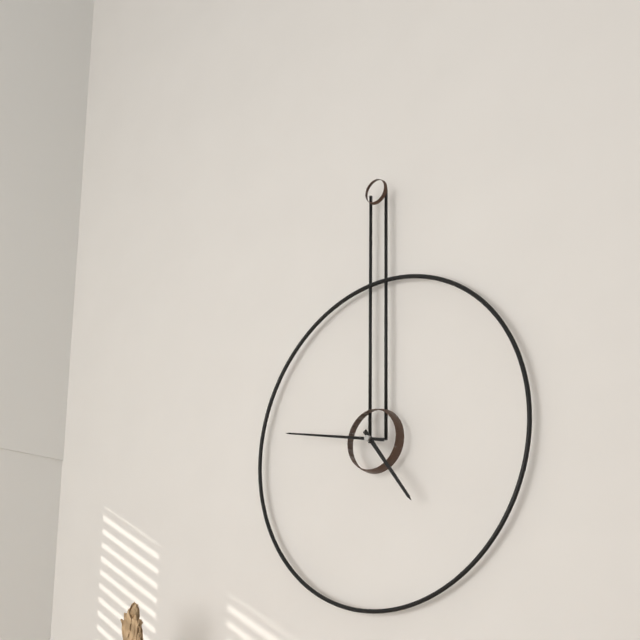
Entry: 4:47
